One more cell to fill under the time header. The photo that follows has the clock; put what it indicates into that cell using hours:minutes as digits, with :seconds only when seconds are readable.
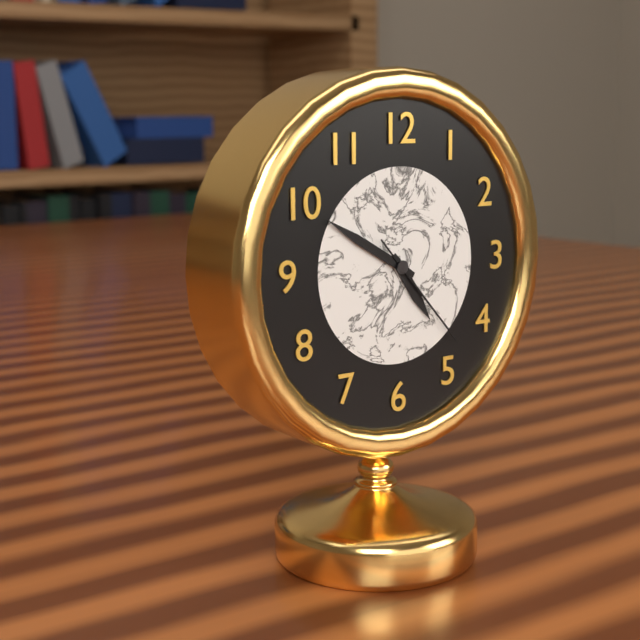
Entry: 4:50:23
